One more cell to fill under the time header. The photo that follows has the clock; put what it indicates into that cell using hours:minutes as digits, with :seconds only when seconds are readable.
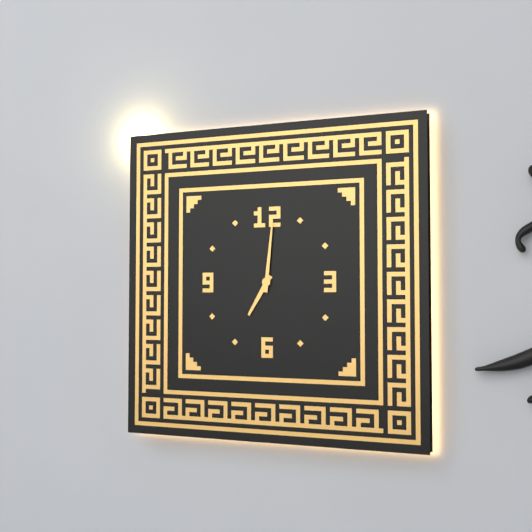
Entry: 7:01
